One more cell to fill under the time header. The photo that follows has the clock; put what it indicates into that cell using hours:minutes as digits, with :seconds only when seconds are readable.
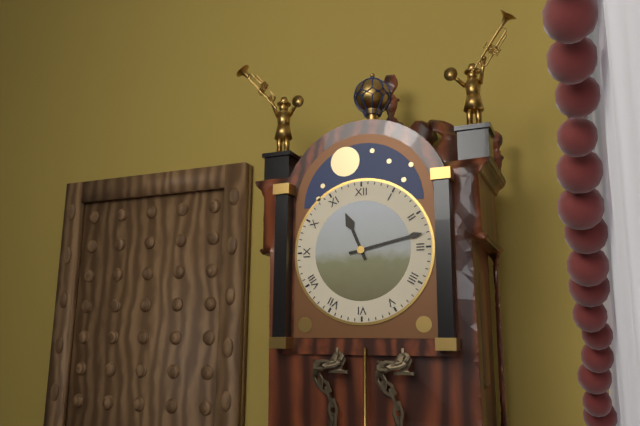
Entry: 11:13
